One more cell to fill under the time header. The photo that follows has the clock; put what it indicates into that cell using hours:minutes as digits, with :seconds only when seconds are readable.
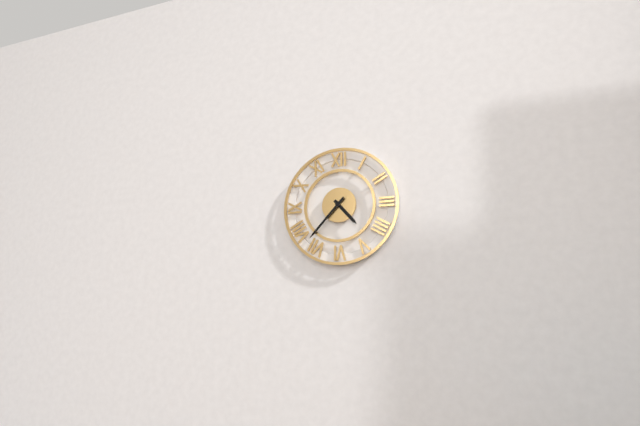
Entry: 4:37
